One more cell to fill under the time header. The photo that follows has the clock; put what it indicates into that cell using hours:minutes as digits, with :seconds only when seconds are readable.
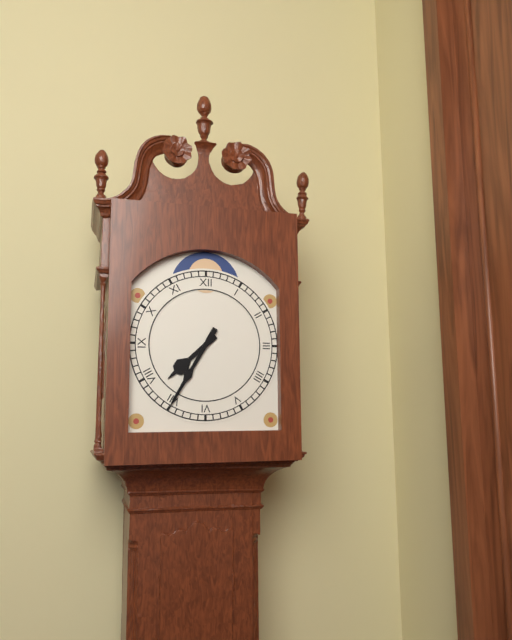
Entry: 7:35
